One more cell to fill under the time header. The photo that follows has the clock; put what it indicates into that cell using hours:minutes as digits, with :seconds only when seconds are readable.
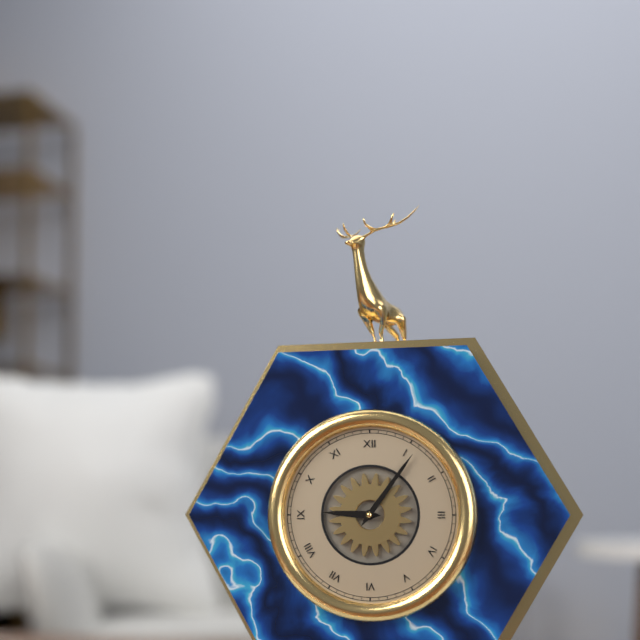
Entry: 9:06
